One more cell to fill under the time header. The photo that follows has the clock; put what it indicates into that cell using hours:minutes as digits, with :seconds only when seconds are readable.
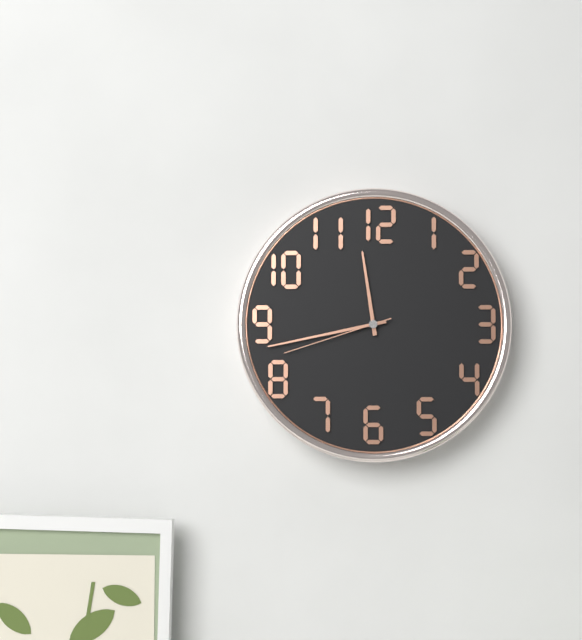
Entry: 11:43:42
